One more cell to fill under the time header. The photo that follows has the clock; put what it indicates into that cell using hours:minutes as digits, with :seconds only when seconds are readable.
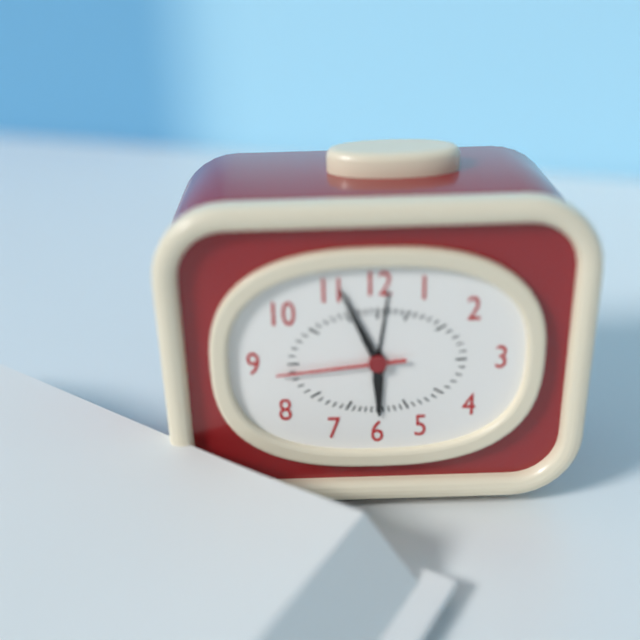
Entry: 5:56:44
